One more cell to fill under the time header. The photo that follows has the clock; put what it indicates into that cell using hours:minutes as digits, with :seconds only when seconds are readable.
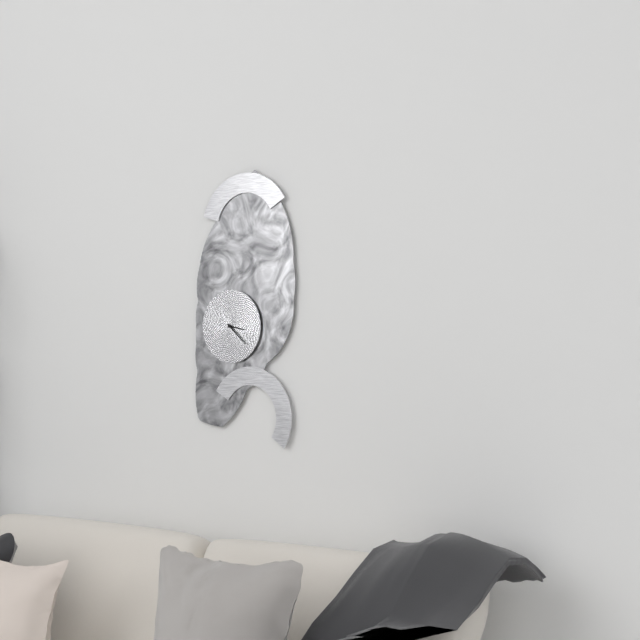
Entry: 3:22
